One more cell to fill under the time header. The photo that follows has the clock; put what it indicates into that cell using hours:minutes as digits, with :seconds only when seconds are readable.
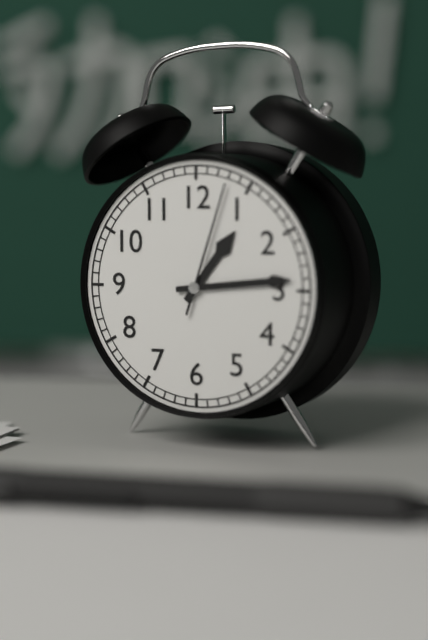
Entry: 1:14:03
